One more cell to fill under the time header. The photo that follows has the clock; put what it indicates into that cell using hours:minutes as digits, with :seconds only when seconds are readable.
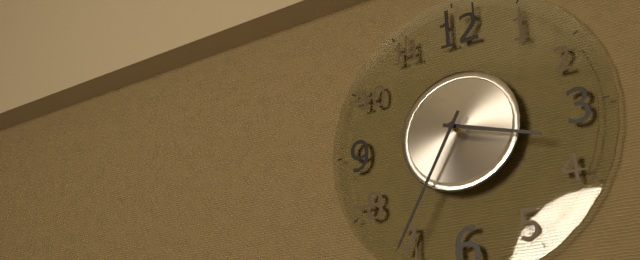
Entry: 3:35
